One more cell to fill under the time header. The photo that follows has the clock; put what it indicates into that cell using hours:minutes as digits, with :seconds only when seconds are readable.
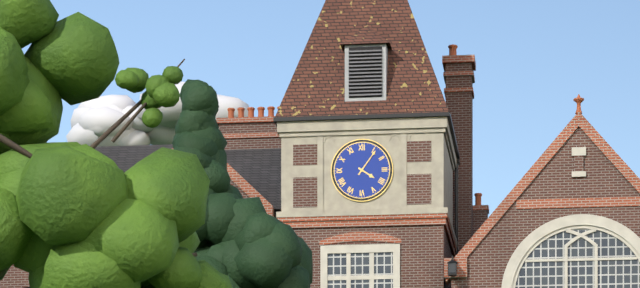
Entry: 4:06
